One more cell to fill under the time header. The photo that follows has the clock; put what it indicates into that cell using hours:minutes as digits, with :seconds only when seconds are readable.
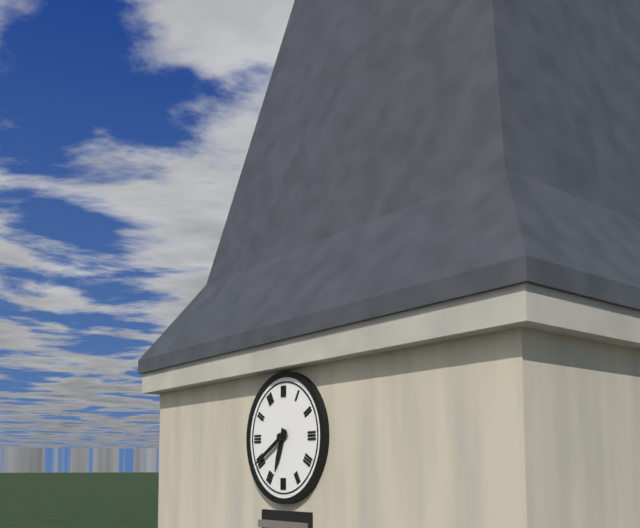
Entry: 6:40
